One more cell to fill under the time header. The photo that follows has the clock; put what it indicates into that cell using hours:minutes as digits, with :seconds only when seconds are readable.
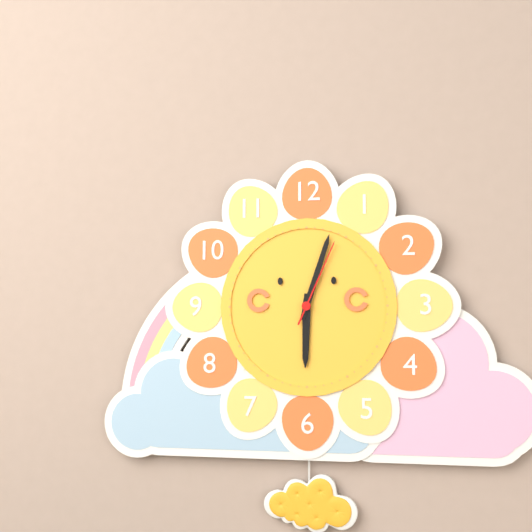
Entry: 6:03:04
